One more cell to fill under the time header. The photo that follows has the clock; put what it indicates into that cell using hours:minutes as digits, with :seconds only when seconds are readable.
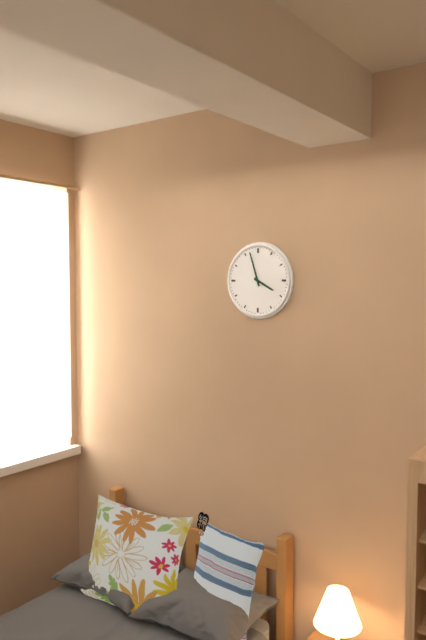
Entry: 3:57
